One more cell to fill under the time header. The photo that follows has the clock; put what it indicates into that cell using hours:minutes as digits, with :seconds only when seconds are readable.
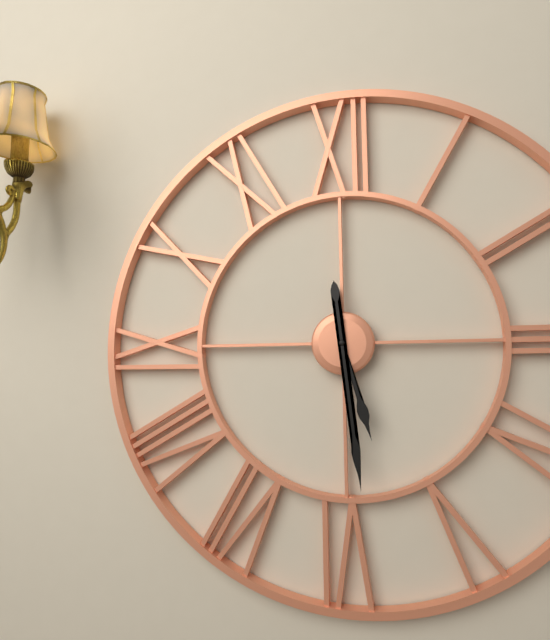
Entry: 5:29
